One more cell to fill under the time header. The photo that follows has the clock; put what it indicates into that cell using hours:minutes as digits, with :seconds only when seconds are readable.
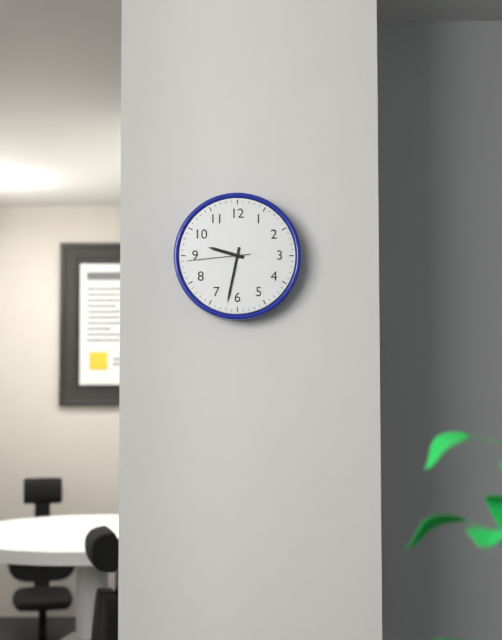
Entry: 9:32:44
